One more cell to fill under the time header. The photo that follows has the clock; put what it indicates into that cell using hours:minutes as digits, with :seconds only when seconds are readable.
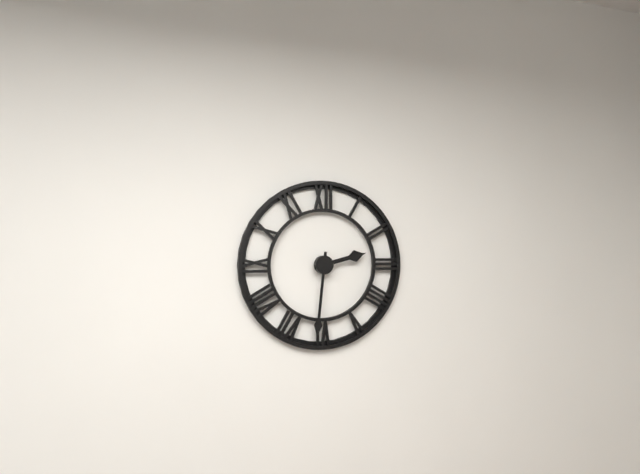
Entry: 2:31
